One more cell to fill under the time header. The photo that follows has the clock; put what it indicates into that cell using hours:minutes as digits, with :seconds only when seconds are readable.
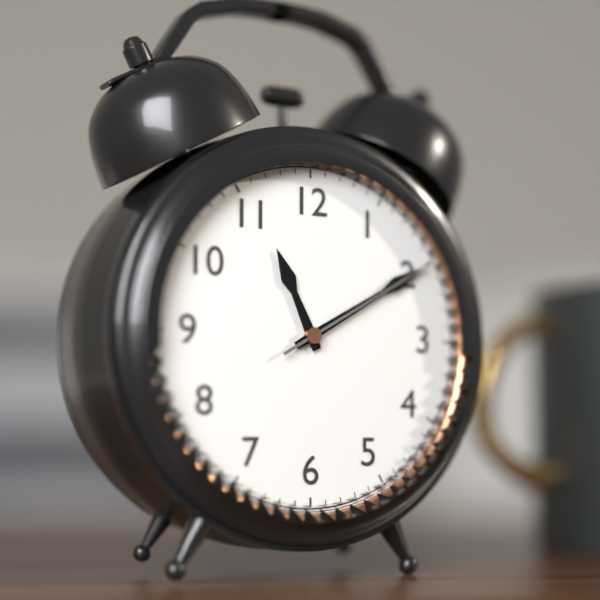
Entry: 11:10:10
